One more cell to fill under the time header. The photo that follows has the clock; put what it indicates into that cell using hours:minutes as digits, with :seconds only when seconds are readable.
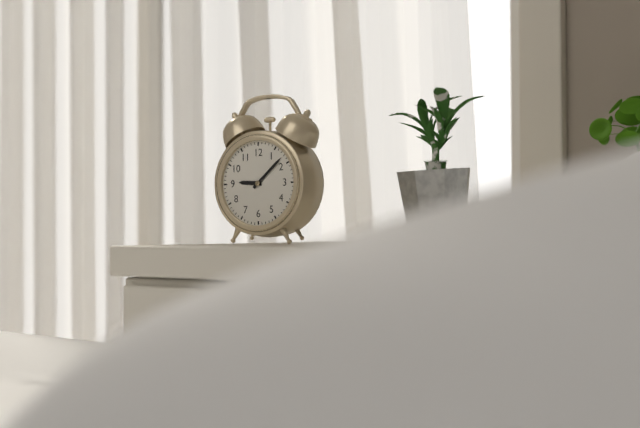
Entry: 9:08
